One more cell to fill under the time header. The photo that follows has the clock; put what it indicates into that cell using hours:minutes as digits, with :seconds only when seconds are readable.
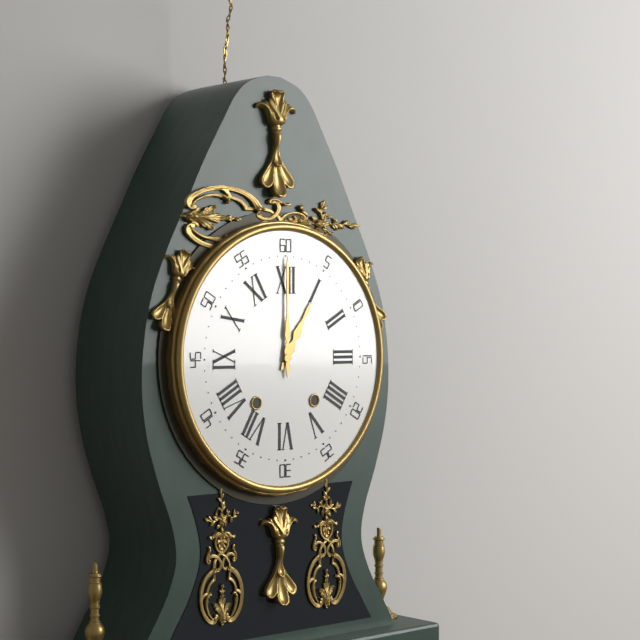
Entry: 1:00
